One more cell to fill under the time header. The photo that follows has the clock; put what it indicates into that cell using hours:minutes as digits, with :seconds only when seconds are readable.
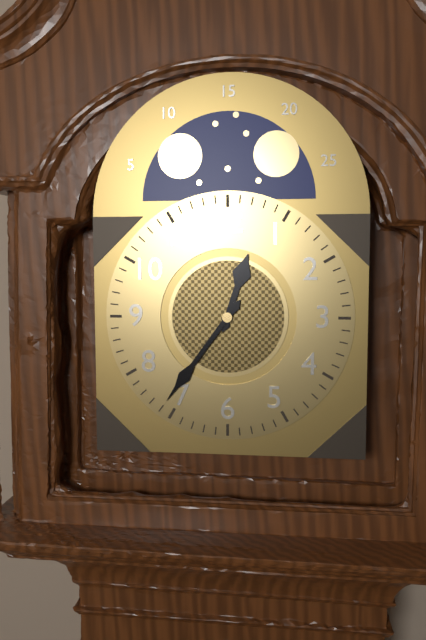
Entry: 12:36
